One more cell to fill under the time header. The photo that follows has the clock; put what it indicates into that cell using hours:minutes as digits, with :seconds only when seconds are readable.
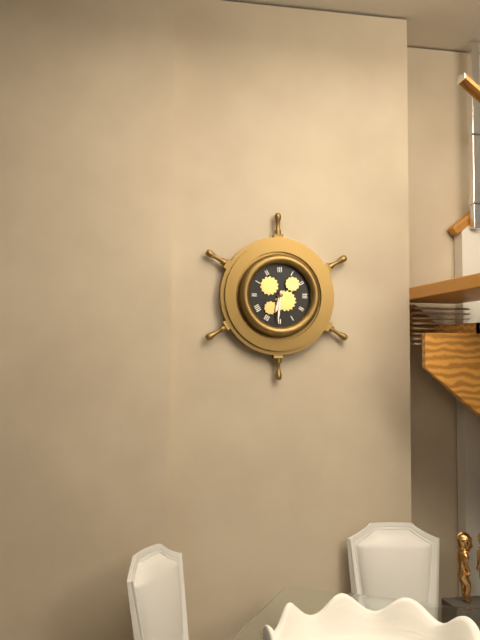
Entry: 6:31
